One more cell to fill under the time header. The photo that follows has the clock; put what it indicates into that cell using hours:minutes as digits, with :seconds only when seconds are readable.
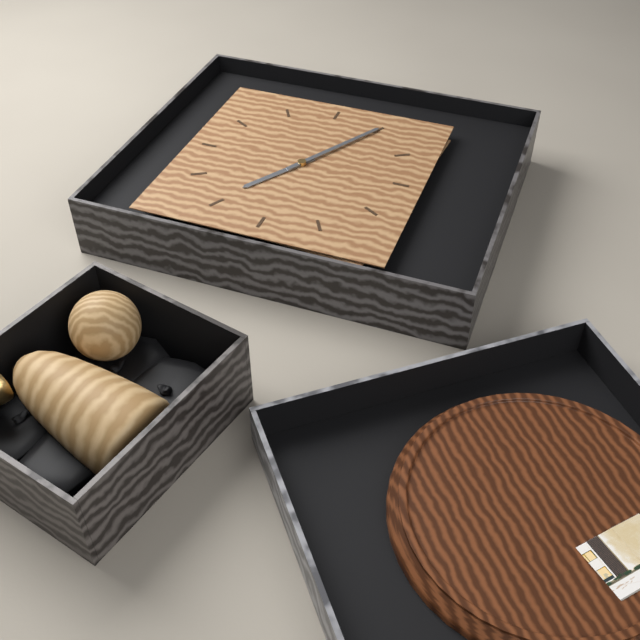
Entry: 7:05
